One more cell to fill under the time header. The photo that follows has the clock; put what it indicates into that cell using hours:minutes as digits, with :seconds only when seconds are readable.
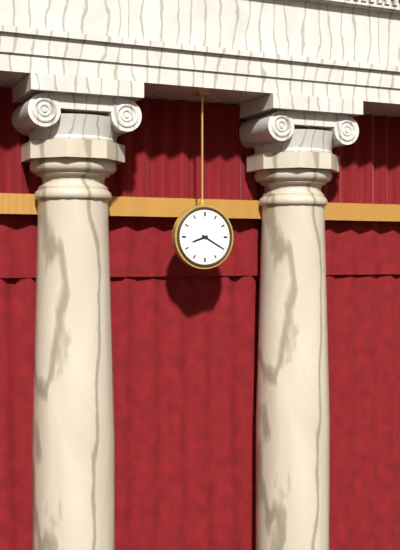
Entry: 8:20
